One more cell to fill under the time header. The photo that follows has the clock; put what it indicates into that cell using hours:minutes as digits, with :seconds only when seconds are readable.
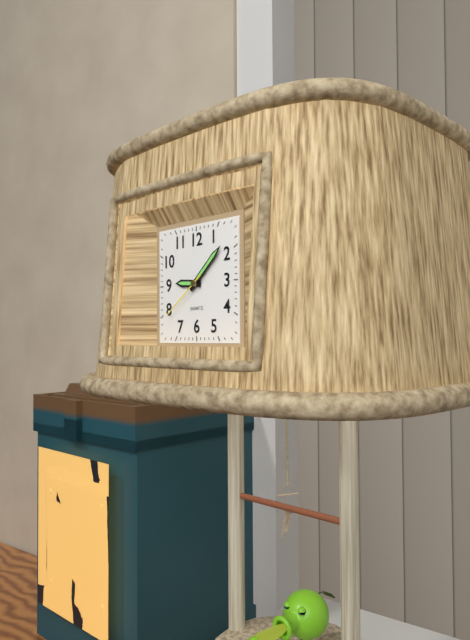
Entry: 9:08:39
